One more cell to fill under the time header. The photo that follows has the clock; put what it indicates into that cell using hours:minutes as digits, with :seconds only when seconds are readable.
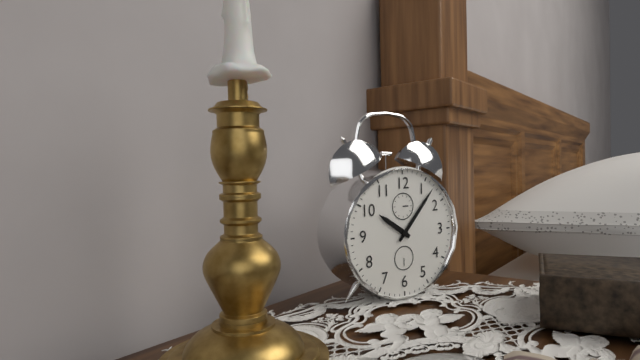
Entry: 10:07
